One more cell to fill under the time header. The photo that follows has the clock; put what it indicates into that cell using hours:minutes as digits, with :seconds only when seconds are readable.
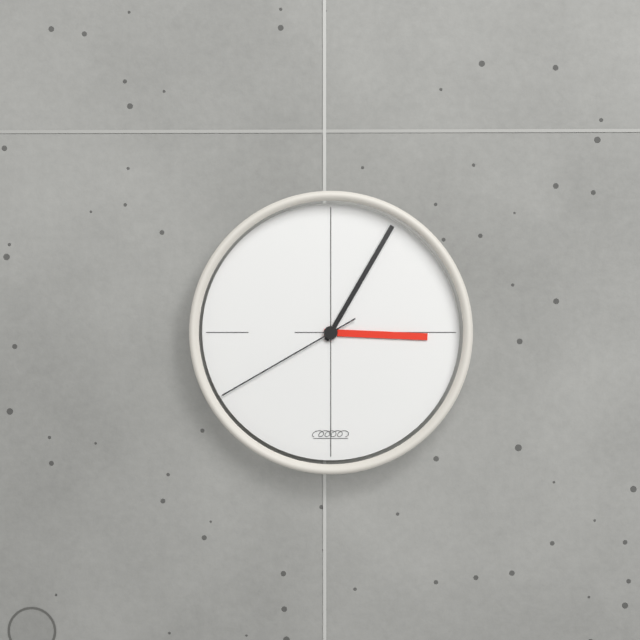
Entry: 3:05:40
